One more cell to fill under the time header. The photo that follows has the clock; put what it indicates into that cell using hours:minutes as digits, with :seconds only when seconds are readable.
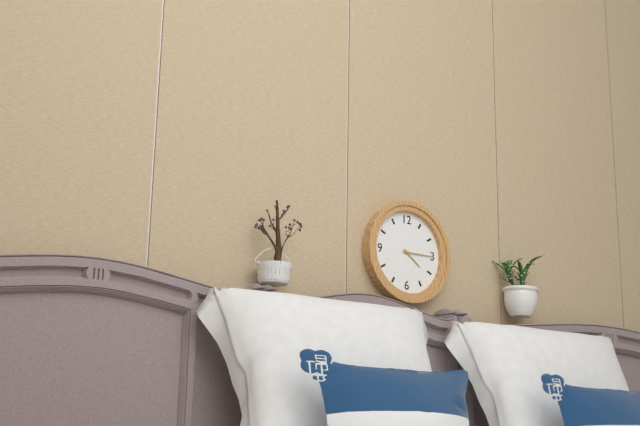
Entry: 4:15
